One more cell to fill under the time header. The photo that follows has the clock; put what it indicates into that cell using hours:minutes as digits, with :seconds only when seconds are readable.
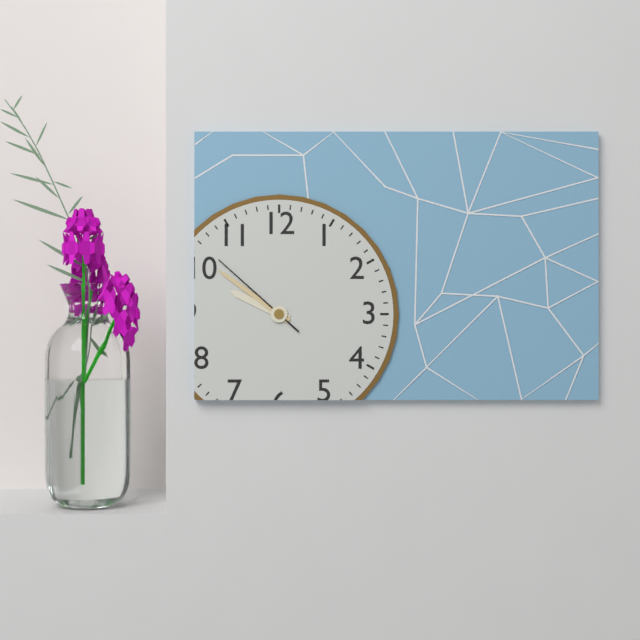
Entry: 9:51:52
